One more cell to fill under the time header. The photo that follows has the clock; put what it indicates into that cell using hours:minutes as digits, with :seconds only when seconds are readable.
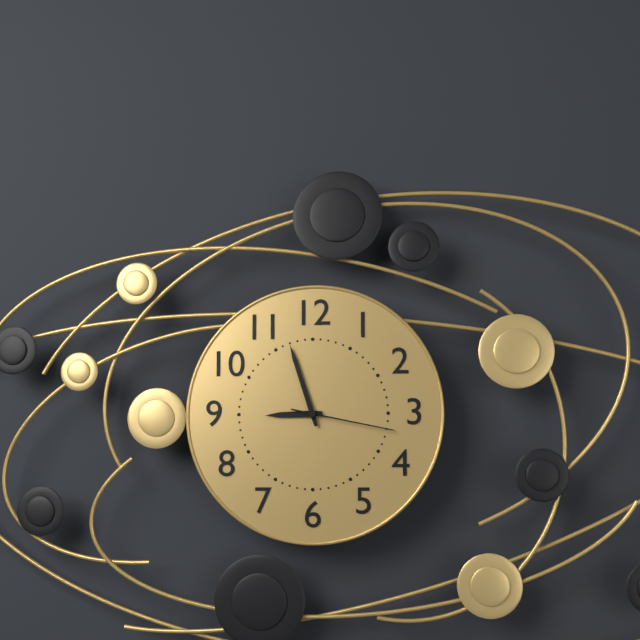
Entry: 8:57:17
